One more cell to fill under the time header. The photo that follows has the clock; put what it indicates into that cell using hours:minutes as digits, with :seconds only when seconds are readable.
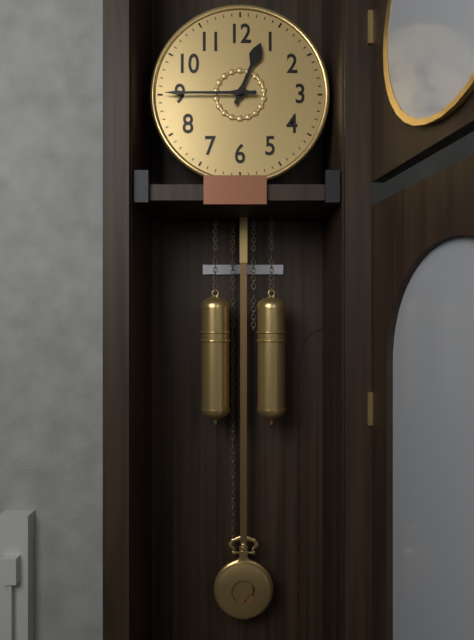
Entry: 12:45
